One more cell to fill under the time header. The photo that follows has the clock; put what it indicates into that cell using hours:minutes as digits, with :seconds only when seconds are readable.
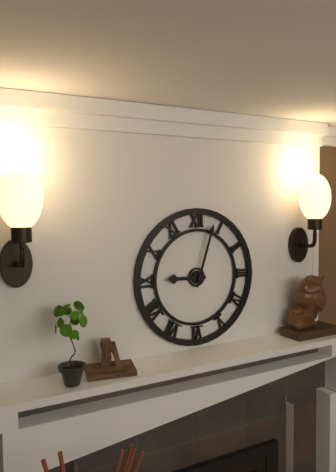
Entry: 9:03
